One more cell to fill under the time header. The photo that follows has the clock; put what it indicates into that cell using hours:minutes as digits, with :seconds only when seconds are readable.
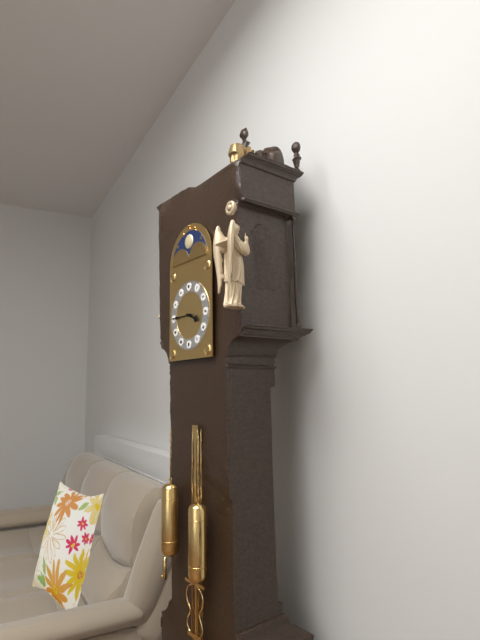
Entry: 3:45
